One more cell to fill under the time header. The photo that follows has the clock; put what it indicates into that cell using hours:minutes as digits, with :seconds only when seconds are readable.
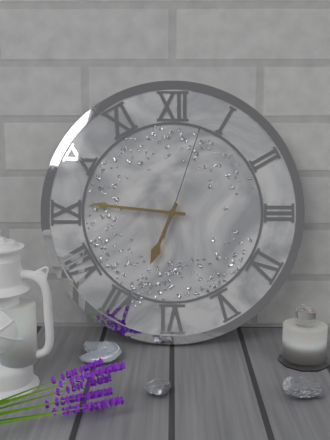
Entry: 6:46:03
